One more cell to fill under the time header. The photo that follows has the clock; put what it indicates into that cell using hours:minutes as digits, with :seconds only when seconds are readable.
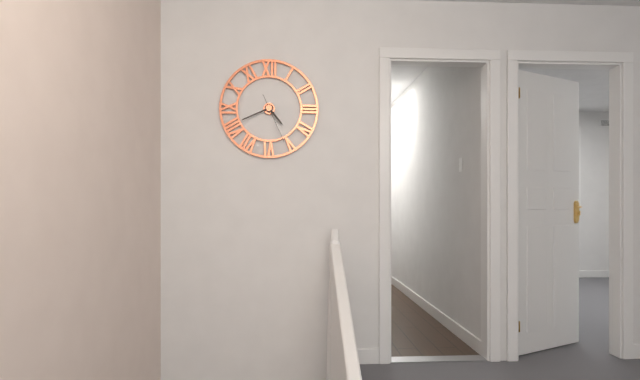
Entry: 4:41
